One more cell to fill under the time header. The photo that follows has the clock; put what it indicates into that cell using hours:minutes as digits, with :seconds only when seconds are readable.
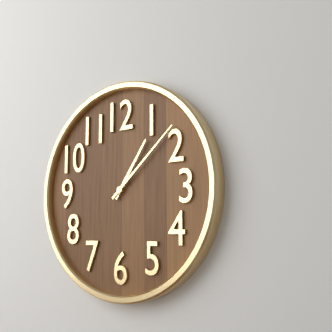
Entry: 1:08
